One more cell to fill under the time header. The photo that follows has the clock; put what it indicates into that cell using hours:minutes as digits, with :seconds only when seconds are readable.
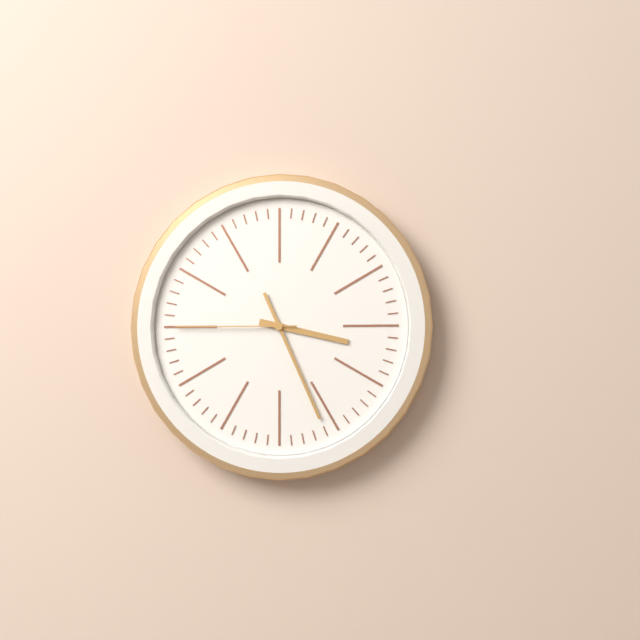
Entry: 3:26:45
